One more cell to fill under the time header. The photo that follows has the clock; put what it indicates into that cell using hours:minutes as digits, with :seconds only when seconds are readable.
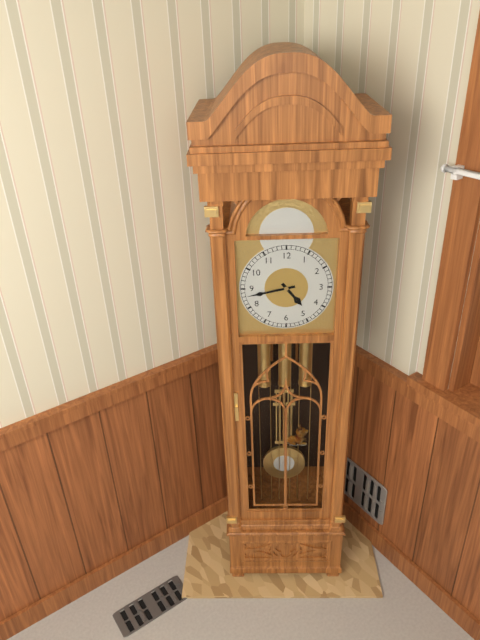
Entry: 4:43
